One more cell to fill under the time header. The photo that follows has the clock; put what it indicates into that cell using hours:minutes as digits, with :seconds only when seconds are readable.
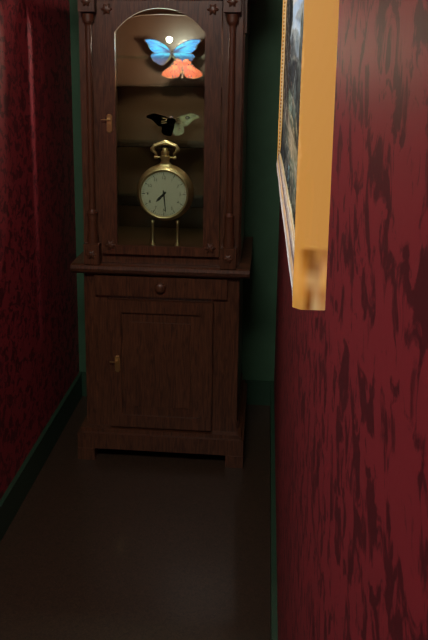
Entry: 7:29
